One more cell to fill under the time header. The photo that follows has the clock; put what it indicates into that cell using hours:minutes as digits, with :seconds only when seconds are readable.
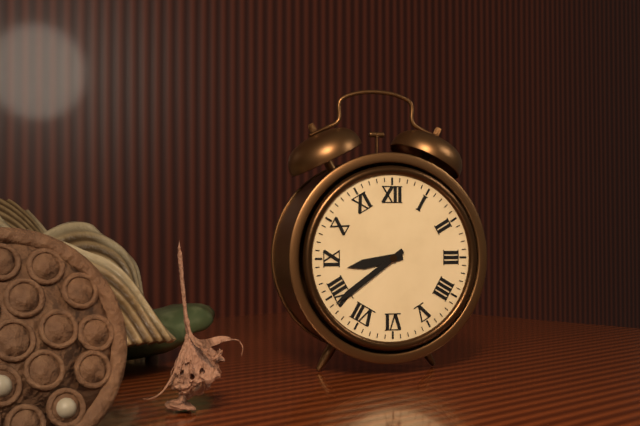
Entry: 8:39
